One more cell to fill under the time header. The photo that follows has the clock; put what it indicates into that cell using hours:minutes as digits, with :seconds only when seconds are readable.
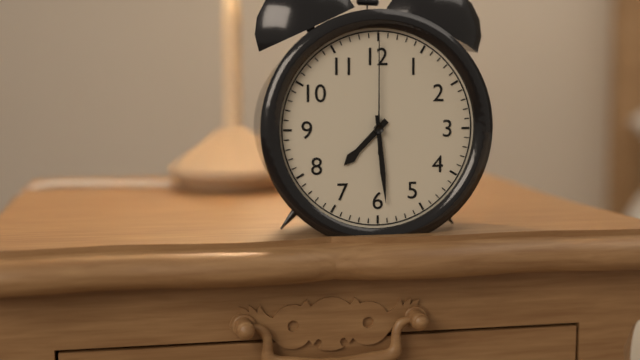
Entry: 7:29:00
